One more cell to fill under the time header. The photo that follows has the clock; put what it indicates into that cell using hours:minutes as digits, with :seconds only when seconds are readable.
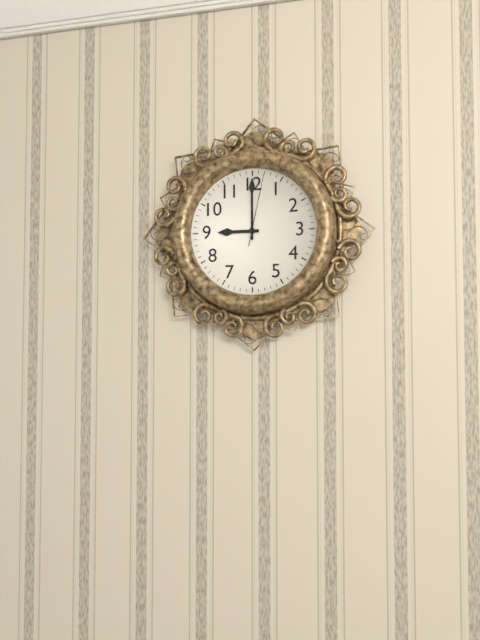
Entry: 9:00:02
